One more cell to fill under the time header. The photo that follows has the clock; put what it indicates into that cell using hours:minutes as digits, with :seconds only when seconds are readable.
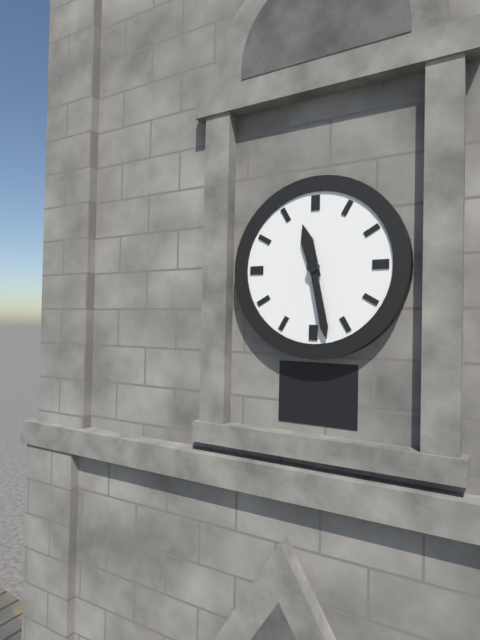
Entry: 11:28
